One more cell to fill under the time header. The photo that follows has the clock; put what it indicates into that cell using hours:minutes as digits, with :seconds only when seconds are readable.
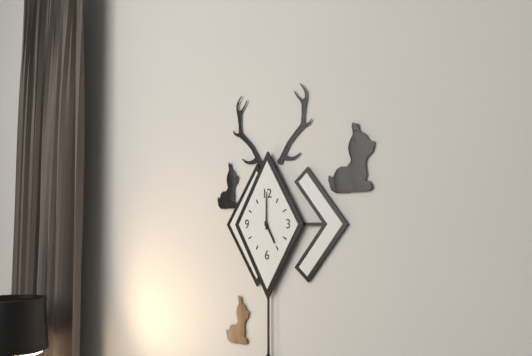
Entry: 5:00
